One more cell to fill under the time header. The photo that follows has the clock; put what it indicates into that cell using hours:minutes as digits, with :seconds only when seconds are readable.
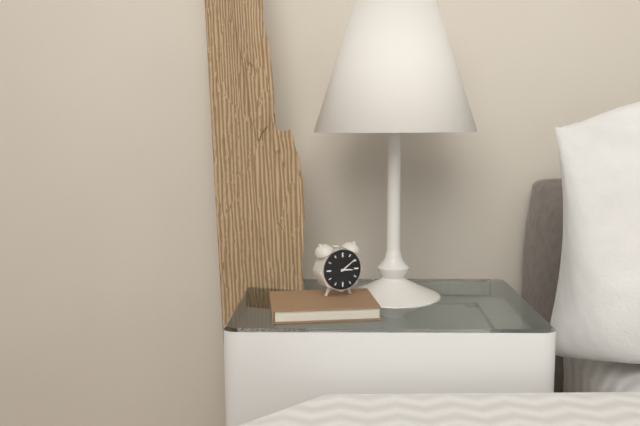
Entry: 3:09
